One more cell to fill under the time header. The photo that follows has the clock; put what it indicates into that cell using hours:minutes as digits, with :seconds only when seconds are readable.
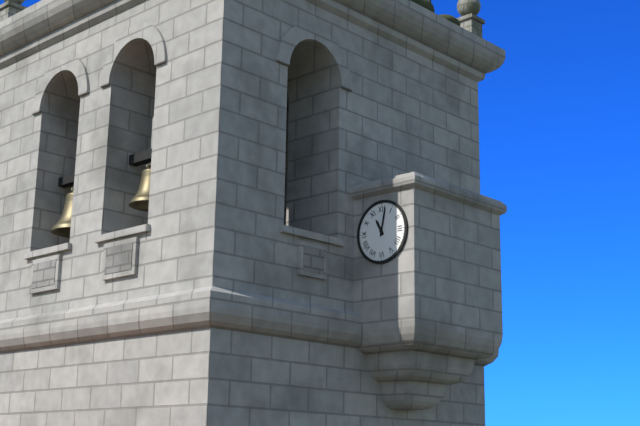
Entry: 11:02
